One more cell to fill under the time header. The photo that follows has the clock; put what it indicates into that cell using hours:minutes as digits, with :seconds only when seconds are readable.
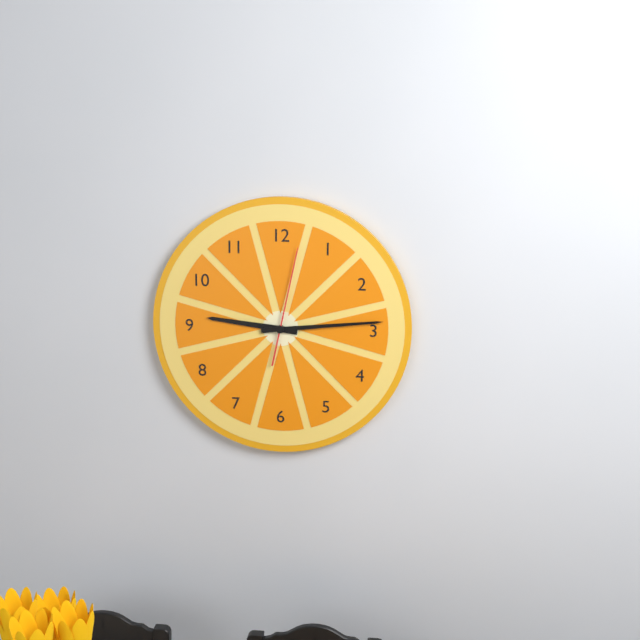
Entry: 9:14:02
